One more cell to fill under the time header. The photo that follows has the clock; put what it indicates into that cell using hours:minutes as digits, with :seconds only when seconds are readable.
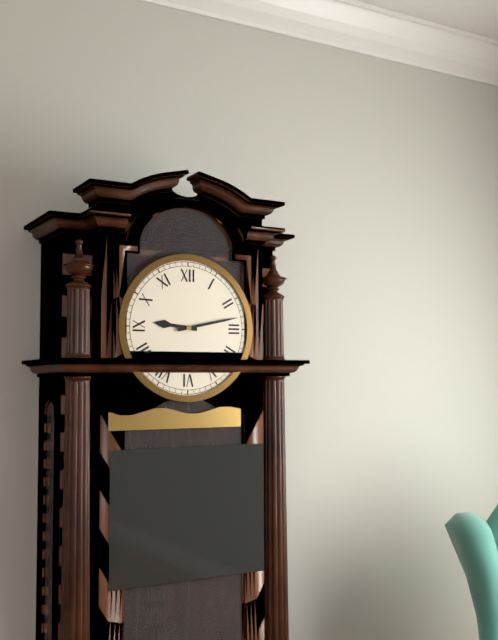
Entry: 9:13
